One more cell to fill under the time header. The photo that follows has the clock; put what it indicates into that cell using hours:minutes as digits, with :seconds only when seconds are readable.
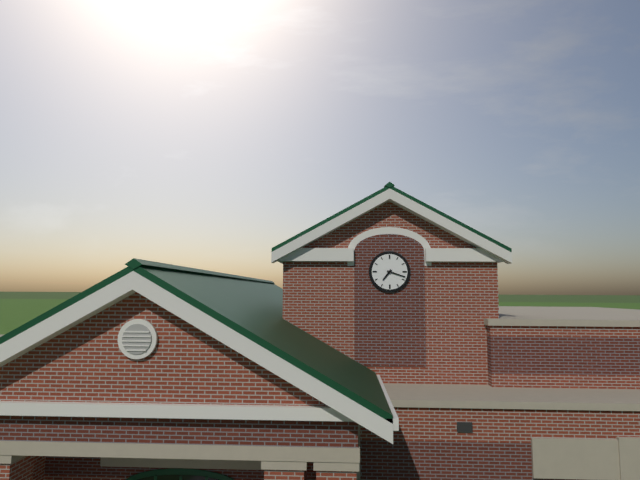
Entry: 7:18
